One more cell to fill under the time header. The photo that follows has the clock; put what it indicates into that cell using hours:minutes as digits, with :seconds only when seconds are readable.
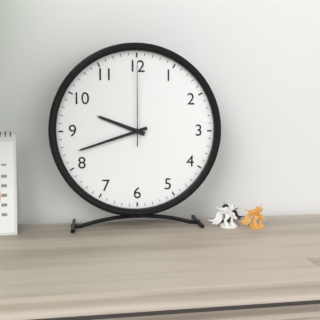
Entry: 9:42:00
